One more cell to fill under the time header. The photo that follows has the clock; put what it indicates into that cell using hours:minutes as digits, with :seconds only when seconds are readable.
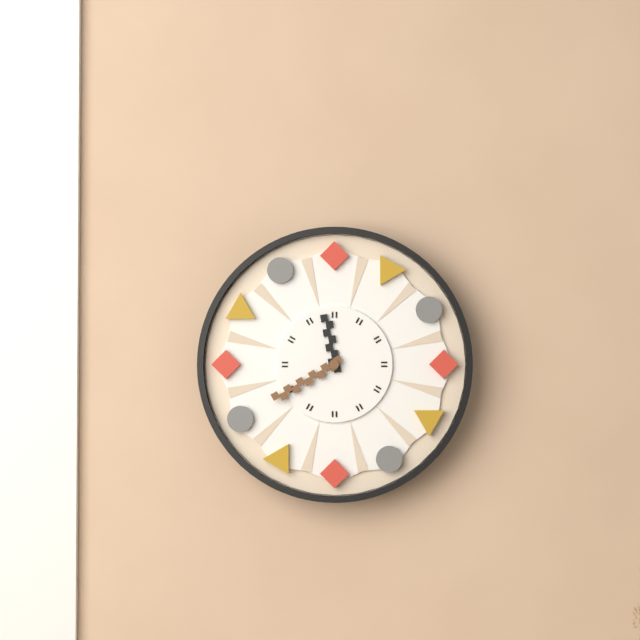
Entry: 11:40
